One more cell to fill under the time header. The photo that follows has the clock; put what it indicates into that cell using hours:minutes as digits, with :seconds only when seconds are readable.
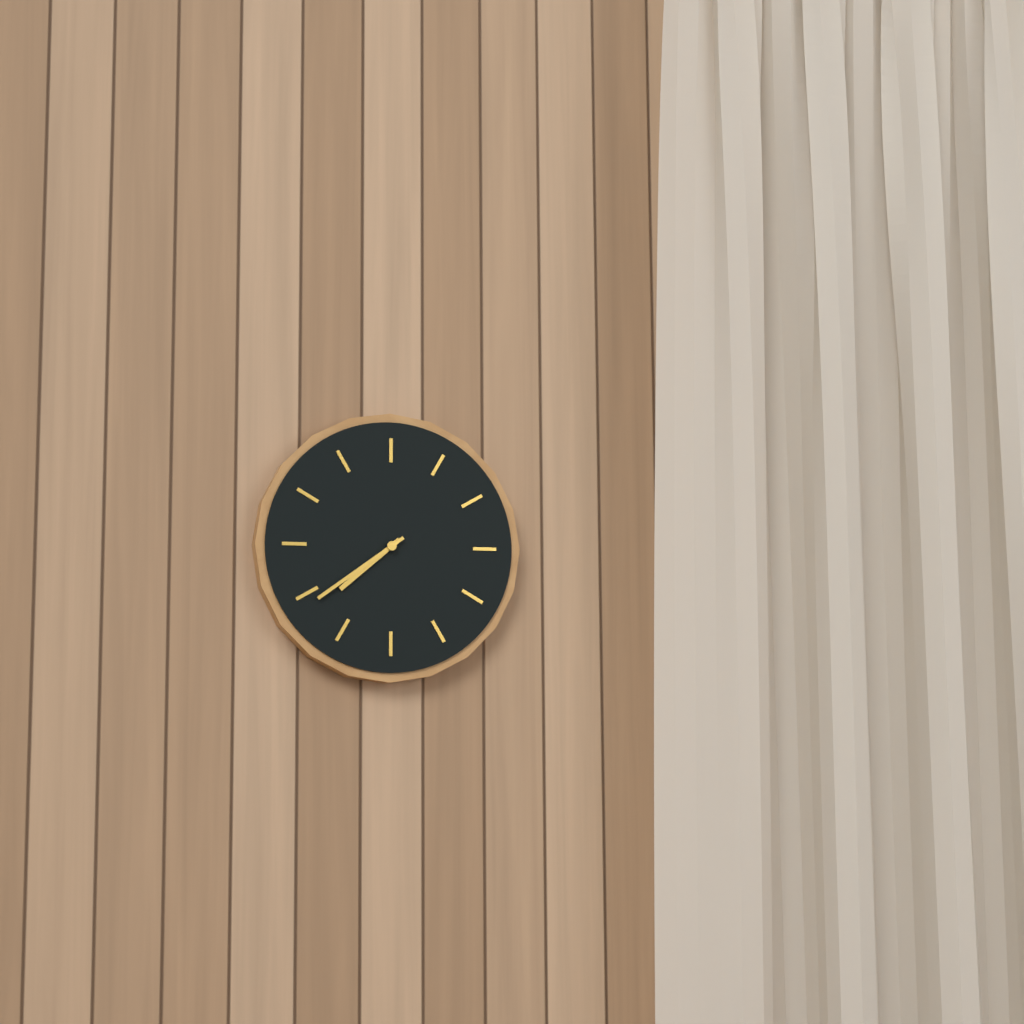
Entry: 7:39
